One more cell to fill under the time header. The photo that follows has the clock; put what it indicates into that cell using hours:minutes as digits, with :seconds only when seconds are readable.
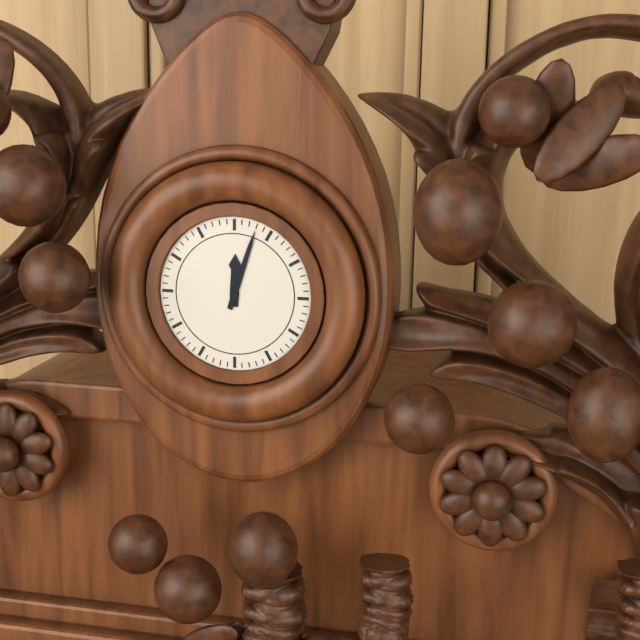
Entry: 12:03
